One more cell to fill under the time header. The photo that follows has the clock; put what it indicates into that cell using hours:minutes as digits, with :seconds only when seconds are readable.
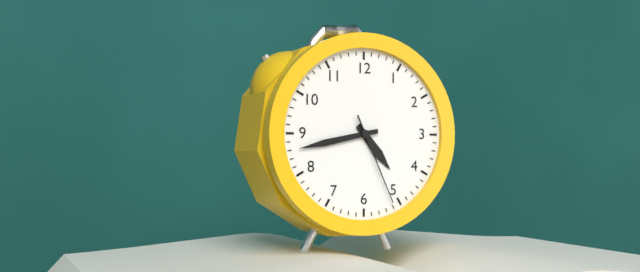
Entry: 4:43:26
